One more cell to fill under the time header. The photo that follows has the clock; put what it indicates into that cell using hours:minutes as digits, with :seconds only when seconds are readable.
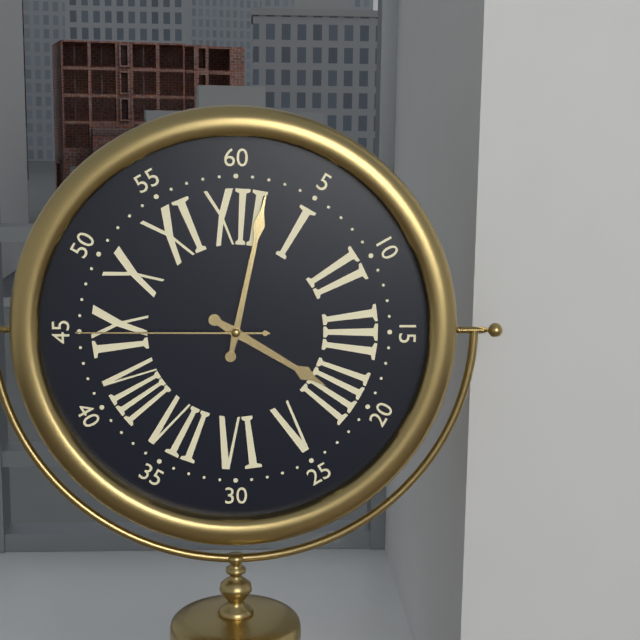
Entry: 4:02:45
